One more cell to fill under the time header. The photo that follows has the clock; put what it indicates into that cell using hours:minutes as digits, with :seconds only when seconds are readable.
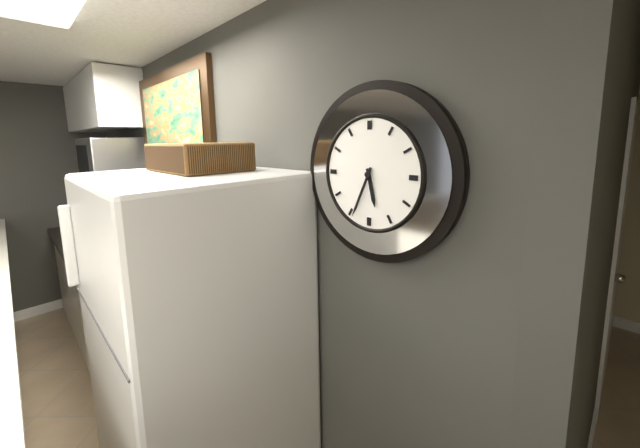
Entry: 5:34
